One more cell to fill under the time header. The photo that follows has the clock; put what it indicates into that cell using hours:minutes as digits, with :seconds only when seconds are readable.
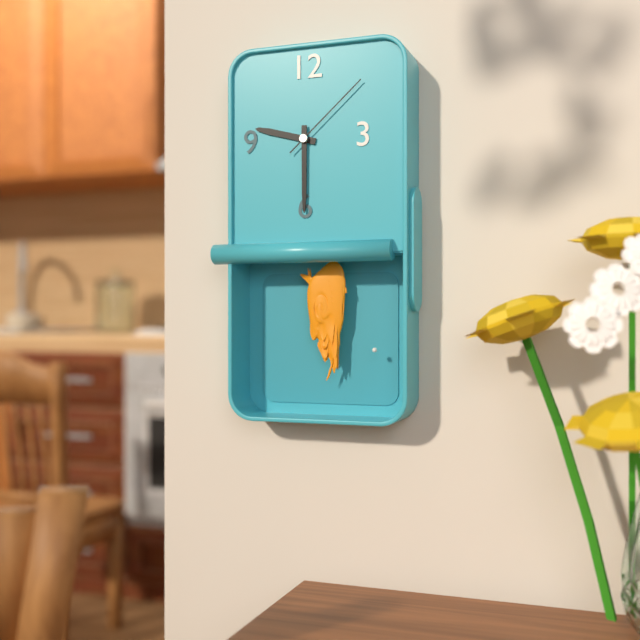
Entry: 9:30:08
